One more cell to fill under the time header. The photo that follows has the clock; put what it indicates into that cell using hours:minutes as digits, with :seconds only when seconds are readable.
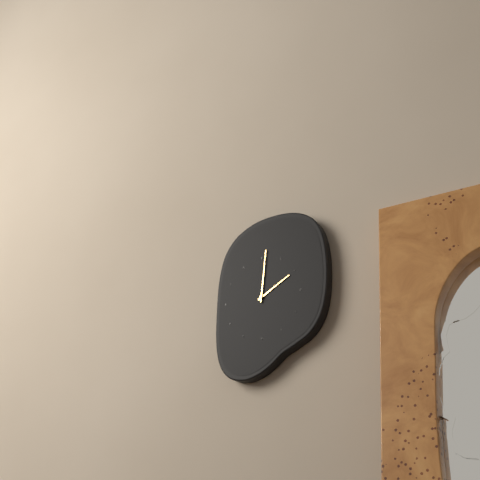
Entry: 2:01
